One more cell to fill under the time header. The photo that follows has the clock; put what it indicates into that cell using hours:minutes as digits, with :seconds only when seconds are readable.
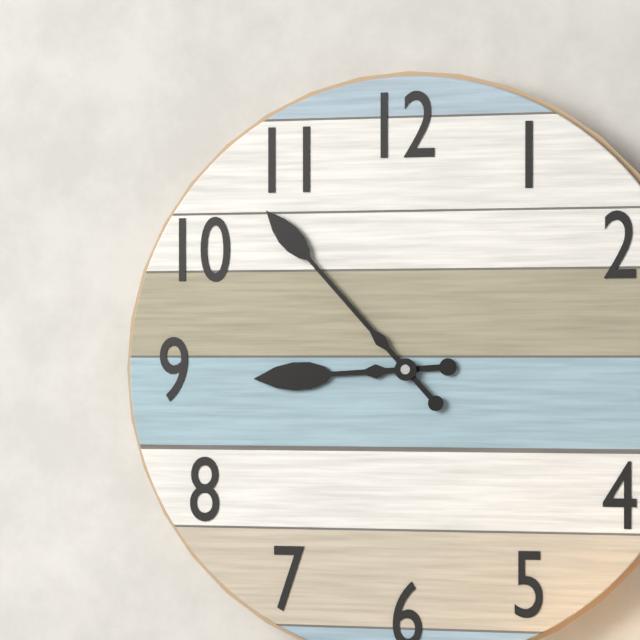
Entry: 8:53
